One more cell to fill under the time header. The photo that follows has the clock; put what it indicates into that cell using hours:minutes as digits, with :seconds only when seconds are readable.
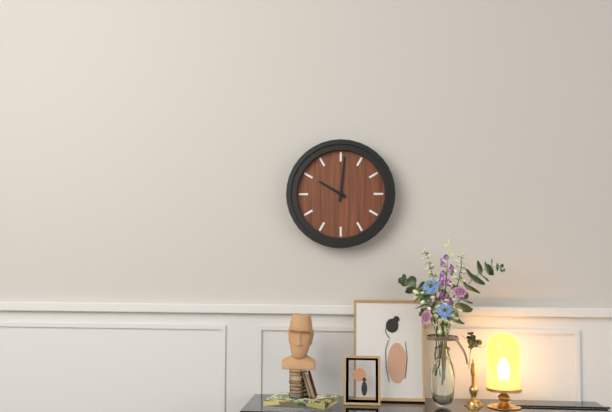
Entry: 10:01
